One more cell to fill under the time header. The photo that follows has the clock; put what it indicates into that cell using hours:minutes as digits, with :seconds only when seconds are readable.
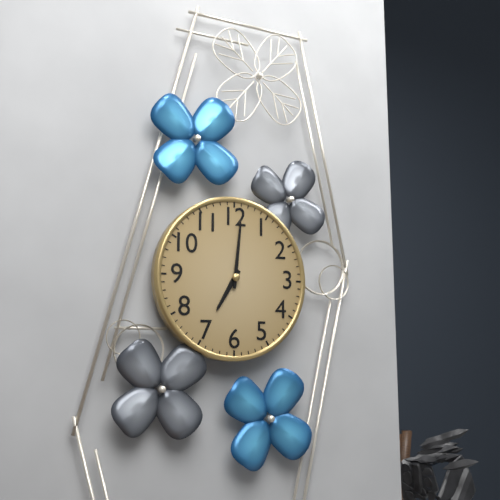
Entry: 7:01
